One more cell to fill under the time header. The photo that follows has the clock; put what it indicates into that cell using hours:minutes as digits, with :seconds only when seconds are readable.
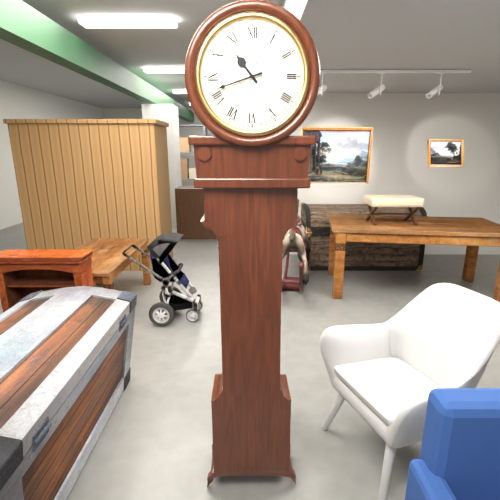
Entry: 10:42
